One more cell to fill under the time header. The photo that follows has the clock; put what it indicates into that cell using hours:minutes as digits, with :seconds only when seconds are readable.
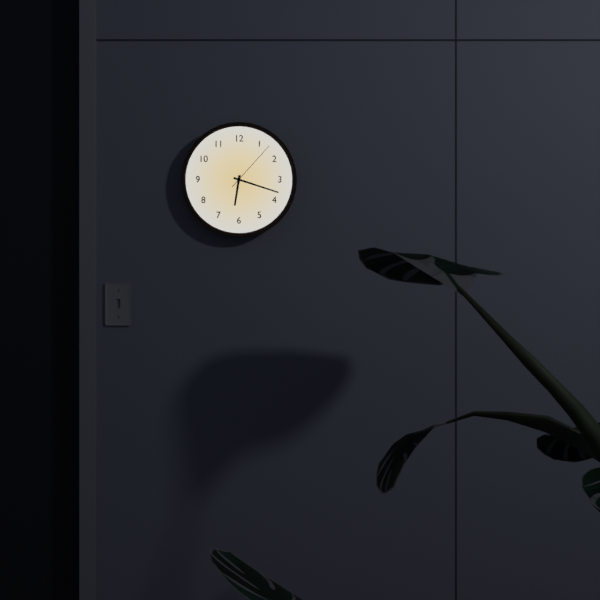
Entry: 6:18:07
